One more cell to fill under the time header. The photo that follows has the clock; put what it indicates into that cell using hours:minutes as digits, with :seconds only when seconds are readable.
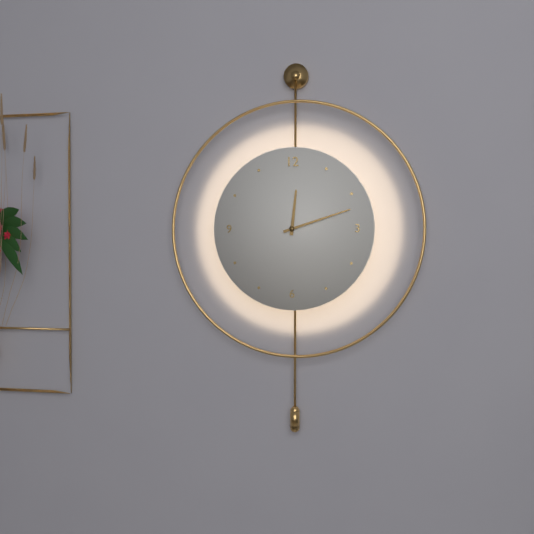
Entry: 12:12
